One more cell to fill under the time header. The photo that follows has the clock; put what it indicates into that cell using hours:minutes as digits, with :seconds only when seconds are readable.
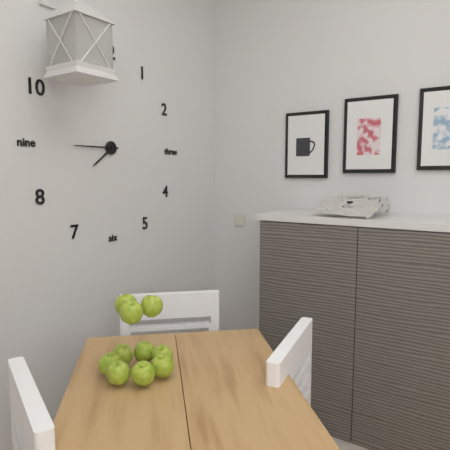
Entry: 7:45
